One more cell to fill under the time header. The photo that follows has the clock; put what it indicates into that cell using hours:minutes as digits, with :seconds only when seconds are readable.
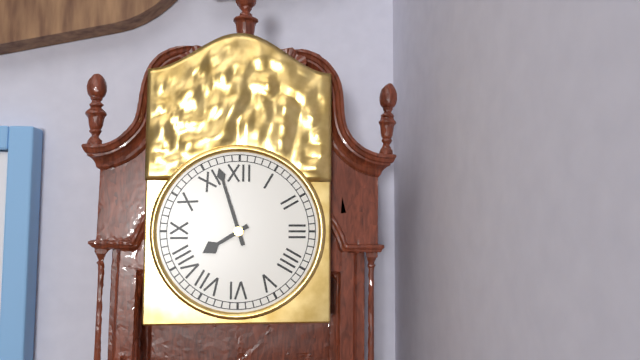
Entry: 7:57
